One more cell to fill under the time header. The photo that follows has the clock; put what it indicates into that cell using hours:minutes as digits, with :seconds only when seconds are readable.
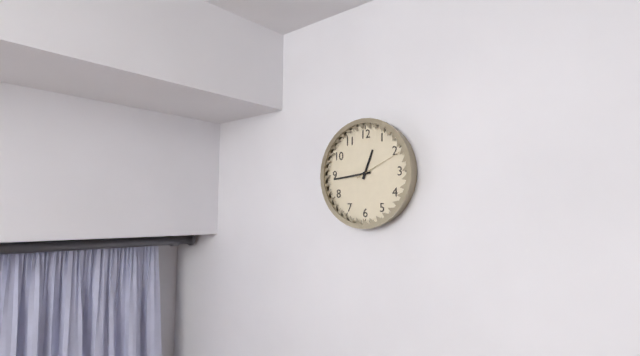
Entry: 12:44:11
